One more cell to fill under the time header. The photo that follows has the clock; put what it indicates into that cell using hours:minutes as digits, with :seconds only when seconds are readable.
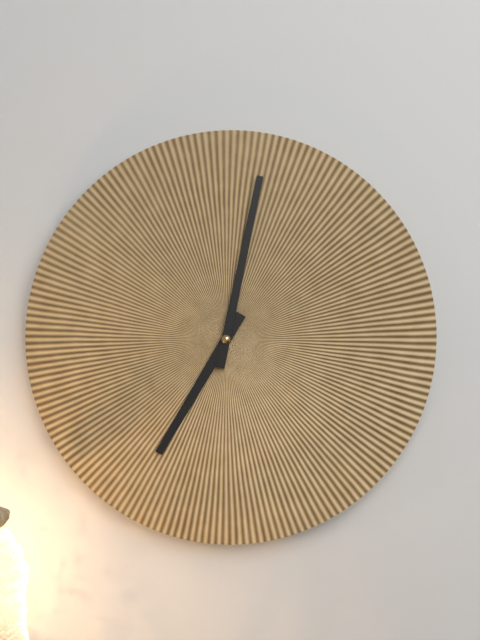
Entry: 7:02
